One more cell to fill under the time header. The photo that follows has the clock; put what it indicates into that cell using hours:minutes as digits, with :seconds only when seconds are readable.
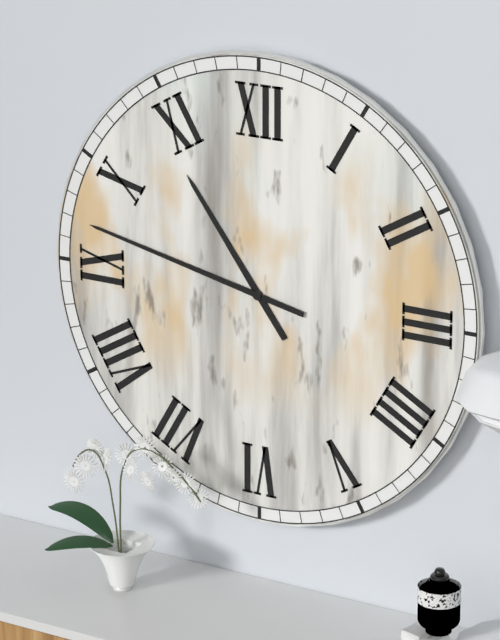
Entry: 10:47
